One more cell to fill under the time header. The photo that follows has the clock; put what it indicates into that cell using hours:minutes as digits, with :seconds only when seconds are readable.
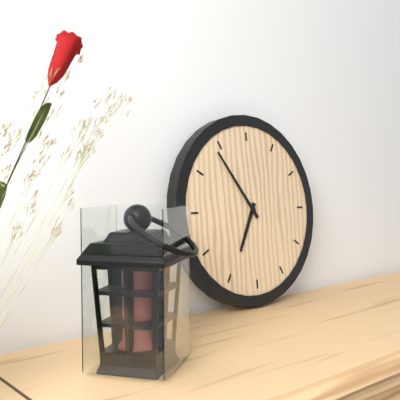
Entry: 6:54
